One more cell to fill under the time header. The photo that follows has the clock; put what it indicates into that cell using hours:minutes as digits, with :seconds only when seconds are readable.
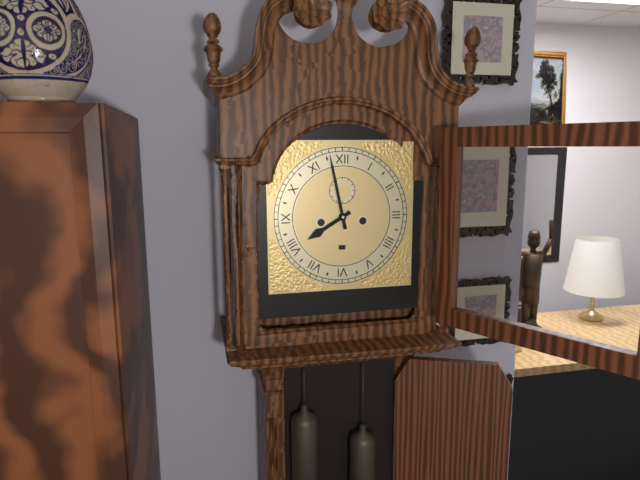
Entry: 7:58
